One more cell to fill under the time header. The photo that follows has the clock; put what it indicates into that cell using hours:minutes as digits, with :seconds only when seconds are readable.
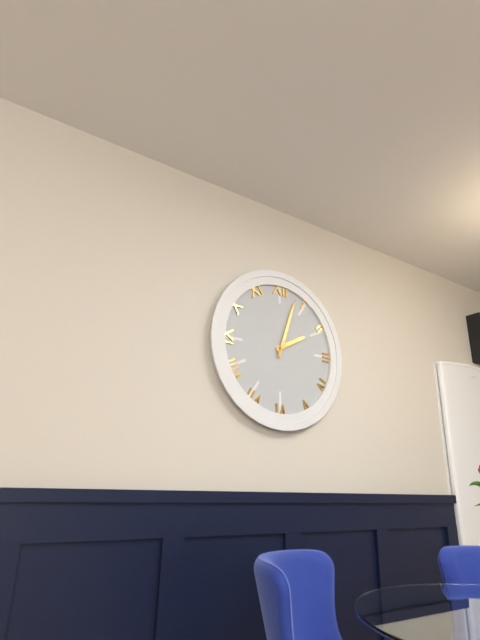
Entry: 2:03
